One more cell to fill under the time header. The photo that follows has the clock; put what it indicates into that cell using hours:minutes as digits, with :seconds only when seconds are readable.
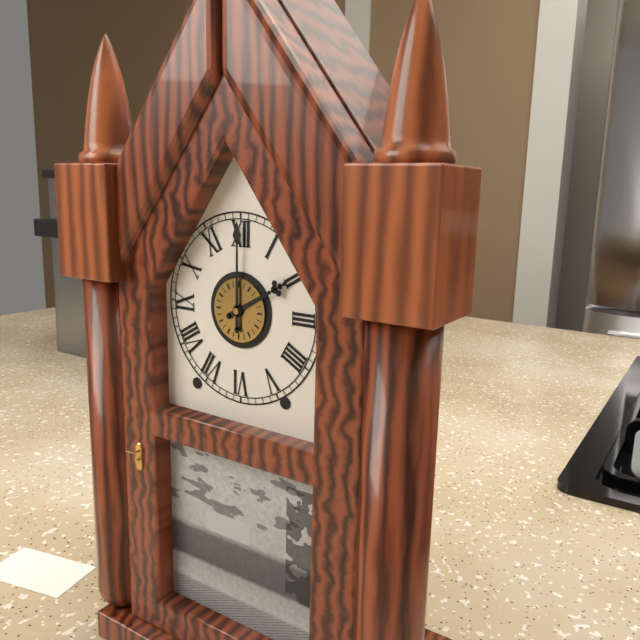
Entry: 2:00
